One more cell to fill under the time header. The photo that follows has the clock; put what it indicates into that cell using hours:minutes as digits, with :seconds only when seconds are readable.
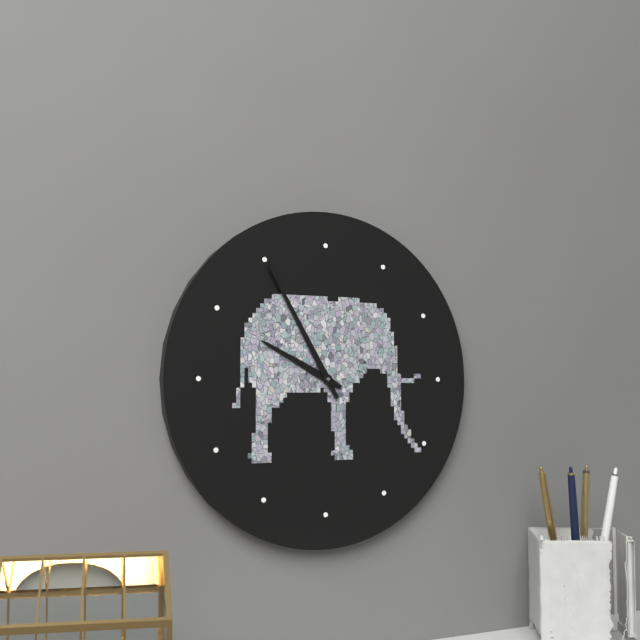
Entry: 9:55
